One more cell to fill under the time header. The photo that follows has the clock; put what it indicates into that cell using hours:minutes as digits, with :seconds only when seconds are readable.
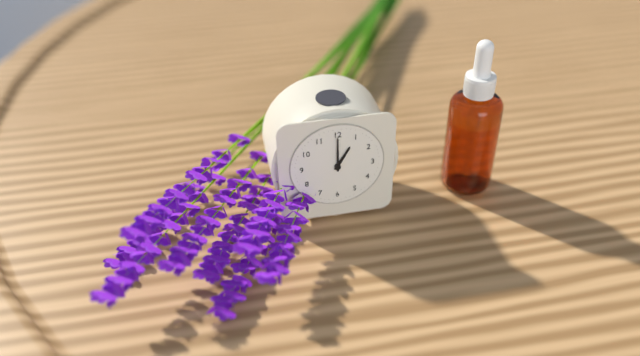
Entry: 1:00
